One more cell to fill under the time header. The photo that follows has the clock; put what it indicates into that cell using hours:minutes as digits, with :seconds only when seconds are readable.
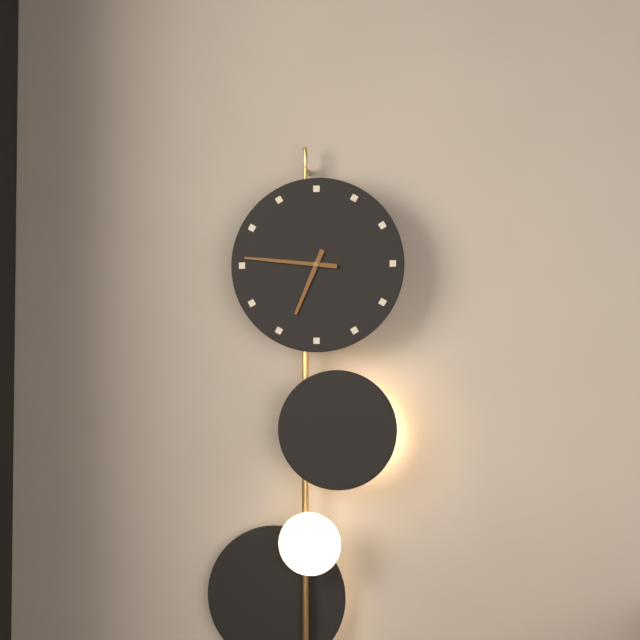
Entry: 6:46
